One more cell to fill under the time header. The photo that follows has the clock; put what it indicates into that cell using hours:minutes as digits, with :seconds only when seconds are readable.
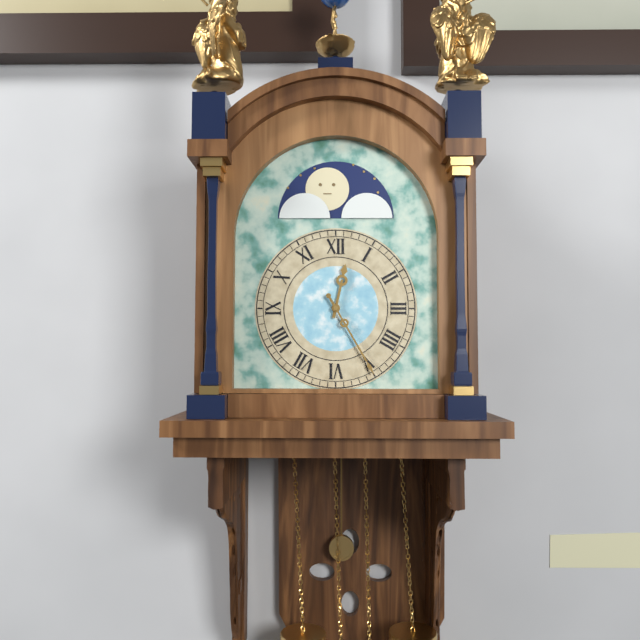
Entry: 12:25
